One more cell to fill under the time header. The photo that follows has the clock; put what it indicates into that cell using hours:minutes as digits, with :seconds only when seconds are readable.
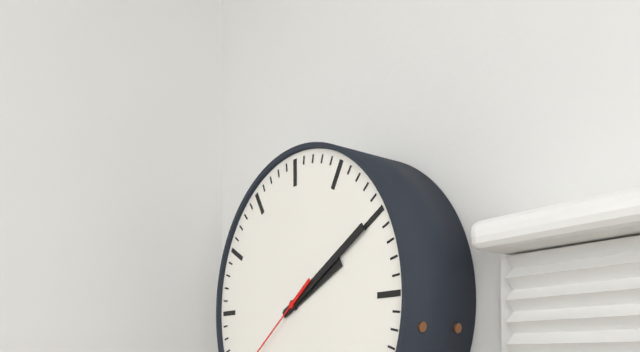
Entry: 2:10
